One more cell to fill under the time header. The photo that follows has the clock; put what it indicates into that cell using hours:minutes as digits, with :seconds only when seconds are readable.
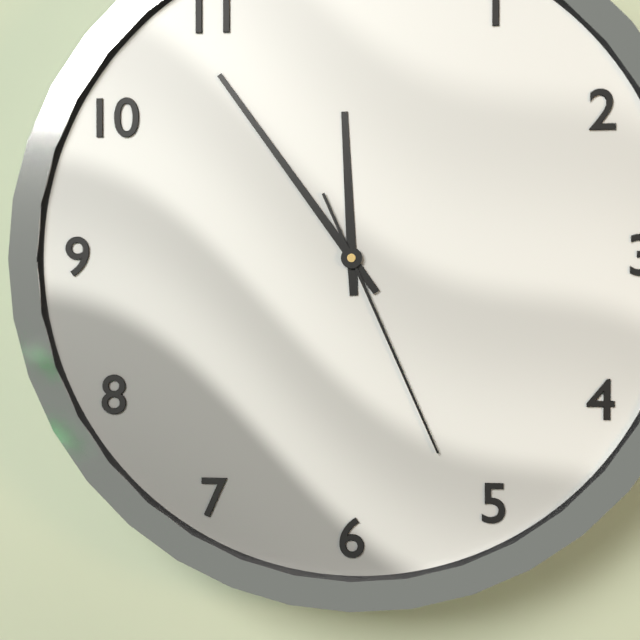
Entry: 11:54:26
